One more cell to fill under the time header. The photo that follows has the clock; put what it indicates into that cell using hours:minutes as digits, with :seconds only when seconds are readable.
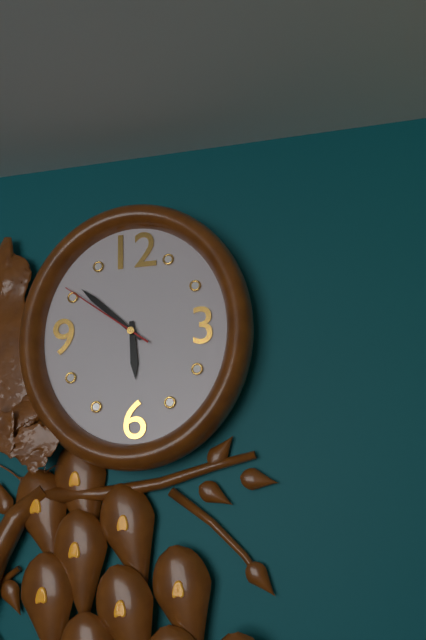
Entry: 5:52:51
